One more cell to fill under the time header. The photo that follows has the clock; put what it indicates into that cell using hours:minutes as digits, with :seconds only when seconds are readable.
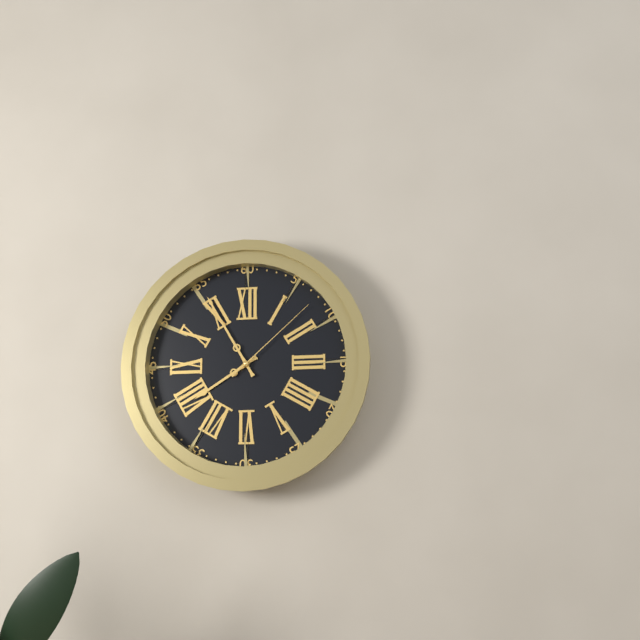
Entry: 7:55:08
